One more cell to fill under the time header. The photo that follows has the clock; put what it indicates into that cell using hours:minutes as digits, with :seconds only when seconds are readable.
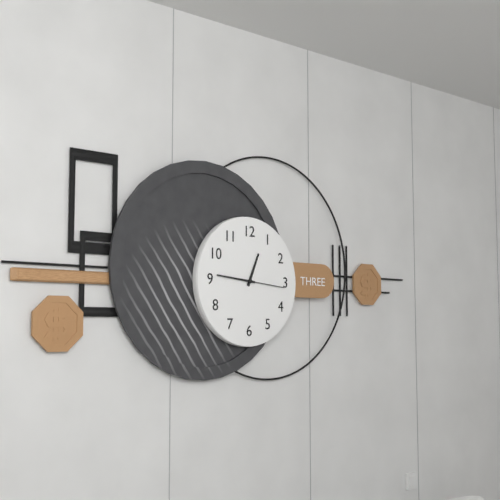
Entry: 12:46
